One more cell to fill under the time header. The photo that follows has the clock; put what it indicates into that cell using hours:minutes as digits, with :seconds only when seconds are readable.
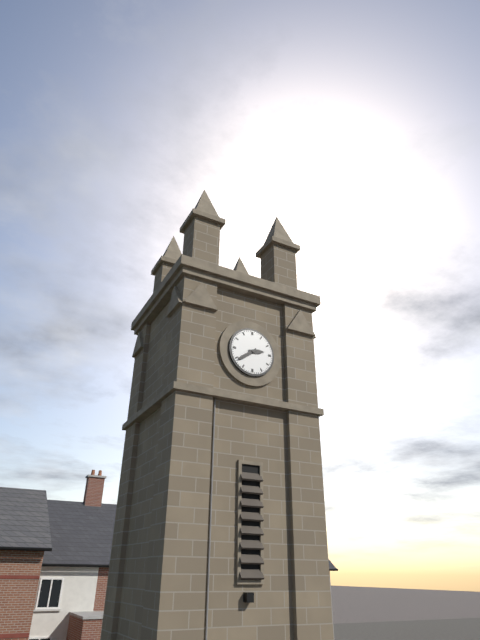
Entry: 2:39
